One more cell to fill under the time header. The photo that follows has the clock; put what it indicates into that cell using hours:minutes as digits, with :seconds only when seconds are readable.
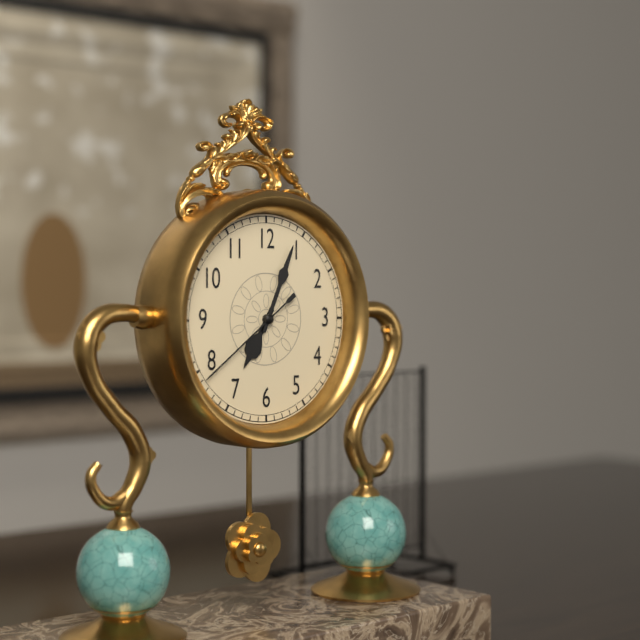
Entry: 7:04:39
